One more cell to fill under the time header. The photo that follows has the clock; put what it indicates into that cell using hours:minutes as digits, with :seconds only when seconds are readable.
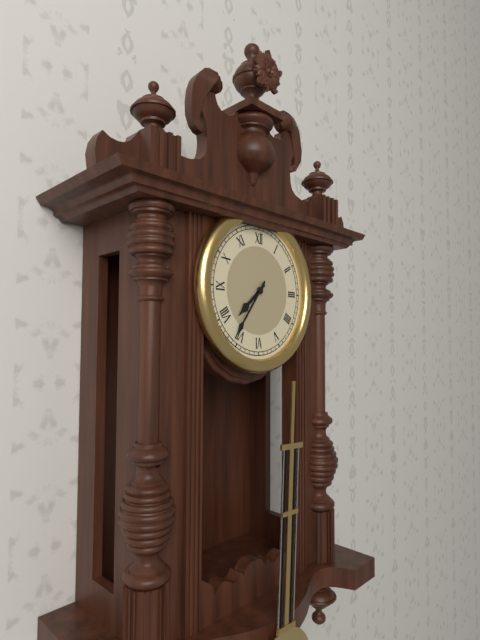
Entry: 7:36
